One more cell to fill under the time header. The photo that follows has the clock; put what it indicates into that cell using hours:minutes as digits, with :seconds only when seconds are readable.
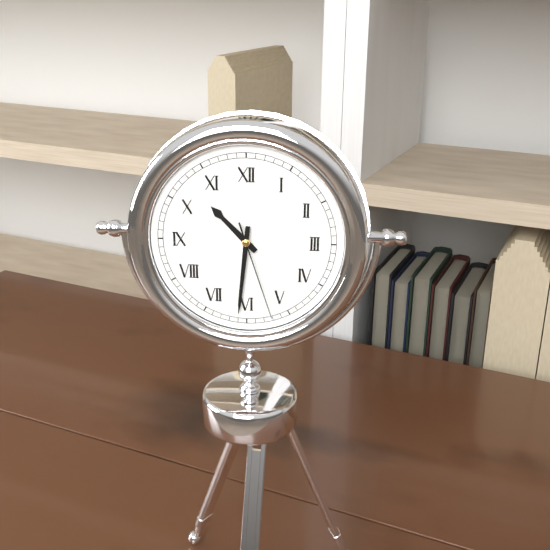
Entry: 10:31:27
